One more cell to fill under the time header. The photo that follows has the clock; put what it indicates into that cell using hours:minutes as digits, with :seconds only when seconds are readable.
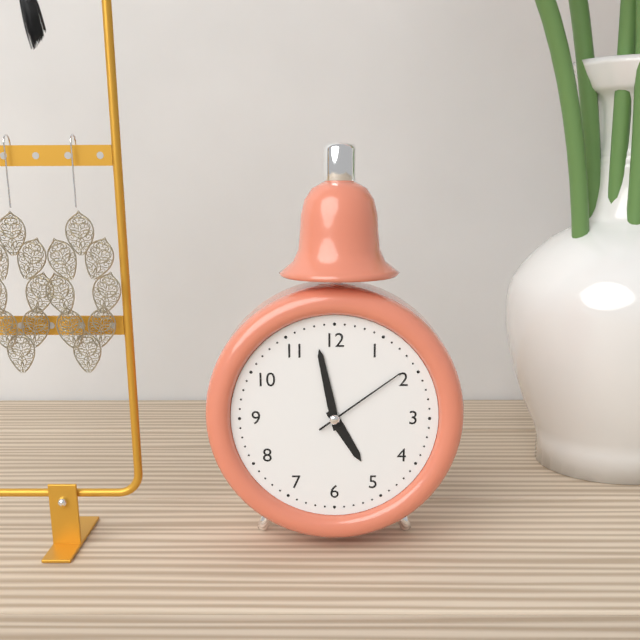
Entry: 4:58:09
